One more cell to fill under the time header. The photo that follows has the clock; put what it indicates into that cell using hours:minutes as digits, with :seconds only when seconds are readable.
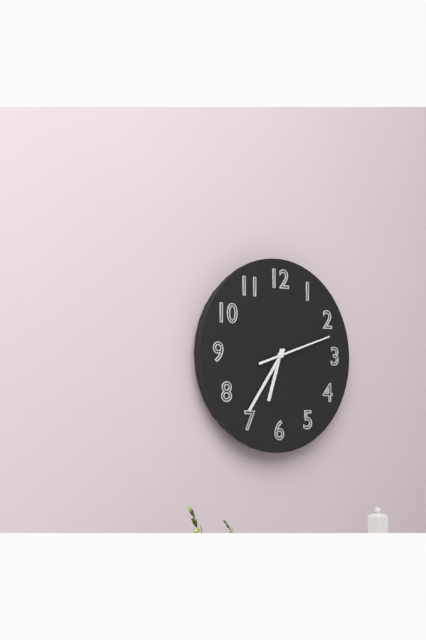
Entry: 6:36:12
